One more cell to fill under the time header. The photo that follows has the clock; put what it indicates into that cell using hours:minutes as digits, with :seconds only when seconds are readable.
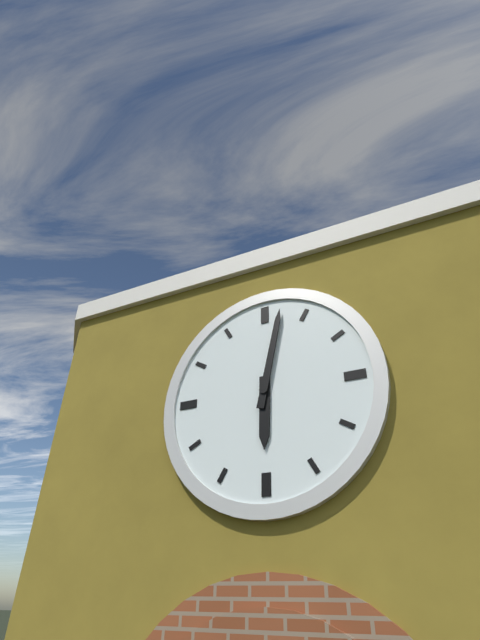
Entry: 6:02
